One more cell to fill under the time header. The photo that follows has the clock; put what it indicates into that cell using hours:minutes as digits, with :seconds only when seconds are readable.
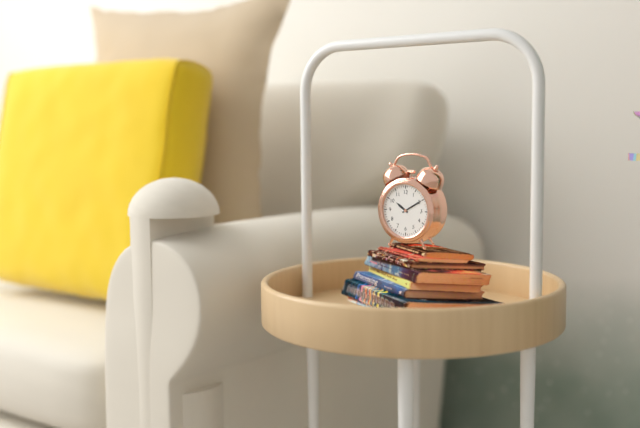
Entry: 10:10
